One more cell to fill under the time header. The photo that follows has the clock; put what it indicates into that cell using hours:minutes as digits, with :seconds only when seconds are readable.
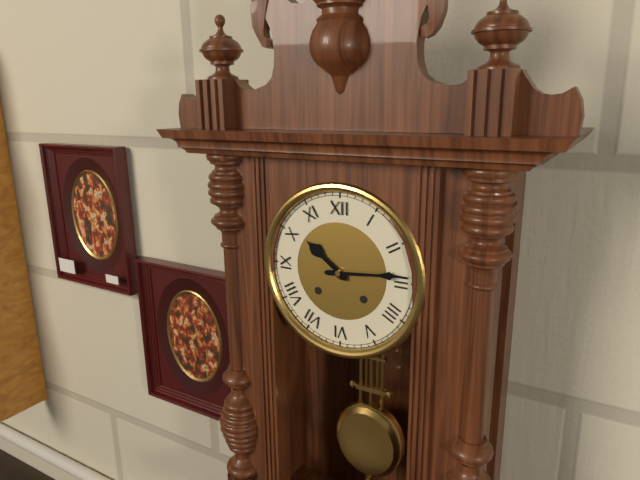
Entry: 10:14
